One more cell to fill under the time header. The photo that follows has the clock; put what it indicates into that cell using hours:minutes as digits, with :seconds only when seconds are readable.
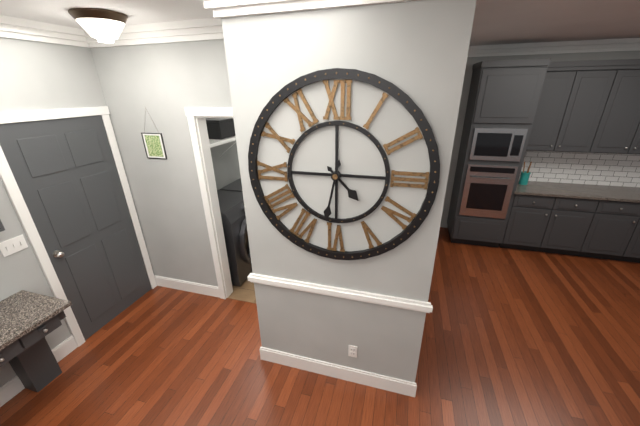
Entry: 4:32
